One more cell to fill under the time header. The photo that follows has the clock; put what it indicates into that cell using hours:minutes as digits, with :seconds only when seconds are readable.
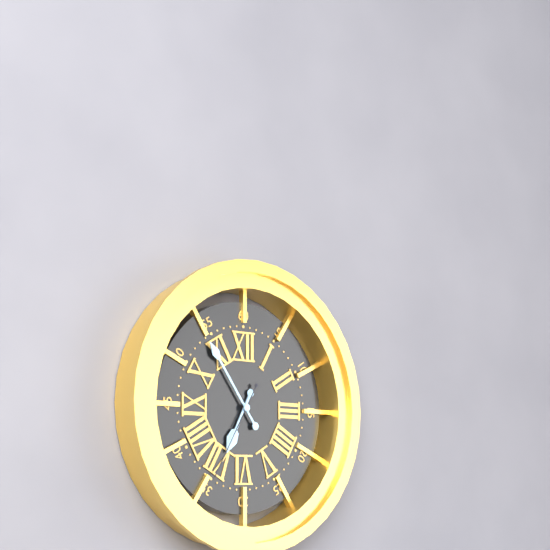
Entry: 6:54:35
